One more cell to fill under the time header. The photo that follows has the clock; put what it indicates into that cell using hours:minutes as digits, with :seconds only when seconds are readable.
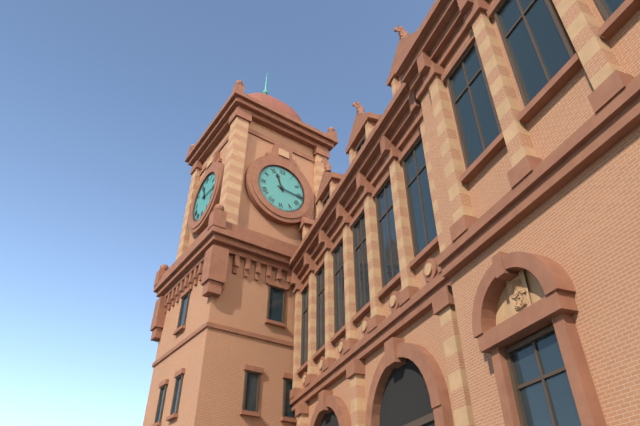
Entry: 11:16
